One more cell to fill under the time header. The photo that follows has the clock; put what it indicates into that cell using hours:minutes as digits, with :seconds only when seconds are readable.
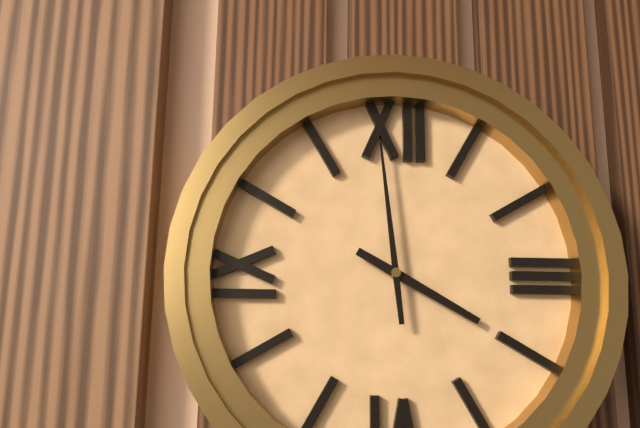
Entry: 3:59
